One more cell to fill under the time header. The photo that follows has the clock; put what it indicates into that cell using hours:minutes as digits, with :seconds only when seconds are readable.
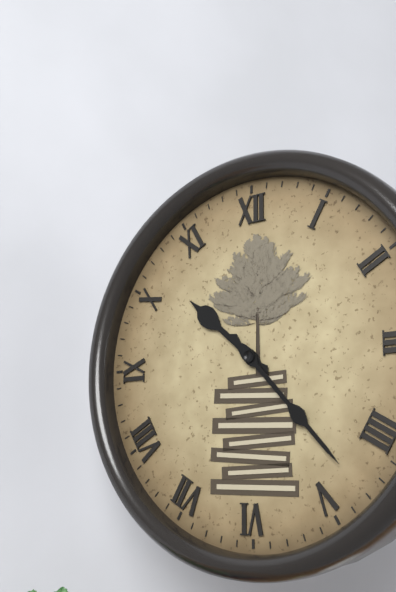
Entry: 10:23
